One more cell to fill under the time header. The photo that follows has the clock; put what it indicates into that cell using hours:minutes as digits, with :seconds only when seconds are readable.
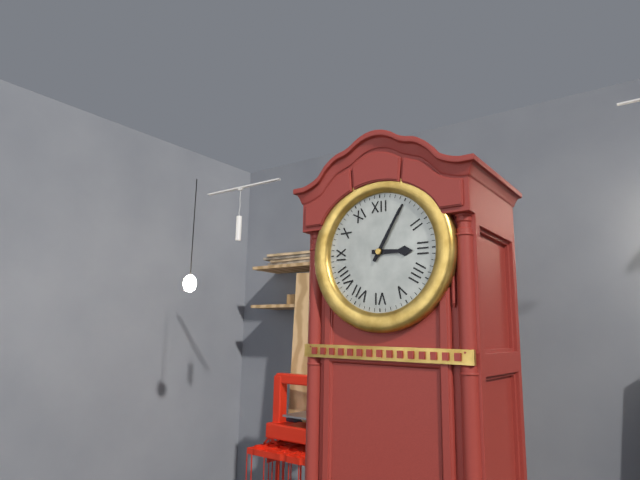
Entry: 3:05
